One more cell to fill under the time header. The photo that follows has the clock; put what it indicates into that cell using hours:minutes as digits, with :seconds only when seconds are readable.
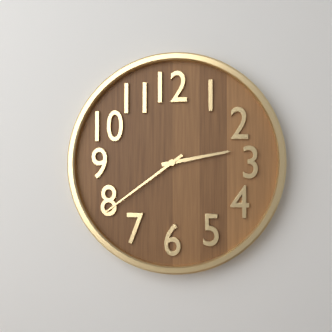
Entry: 2:39
